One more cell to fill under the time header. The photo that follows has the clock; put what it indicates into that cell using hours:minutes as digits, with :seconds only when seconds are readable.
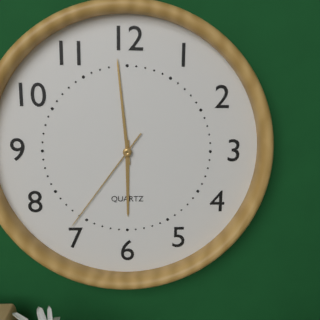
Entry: 5:59:36
